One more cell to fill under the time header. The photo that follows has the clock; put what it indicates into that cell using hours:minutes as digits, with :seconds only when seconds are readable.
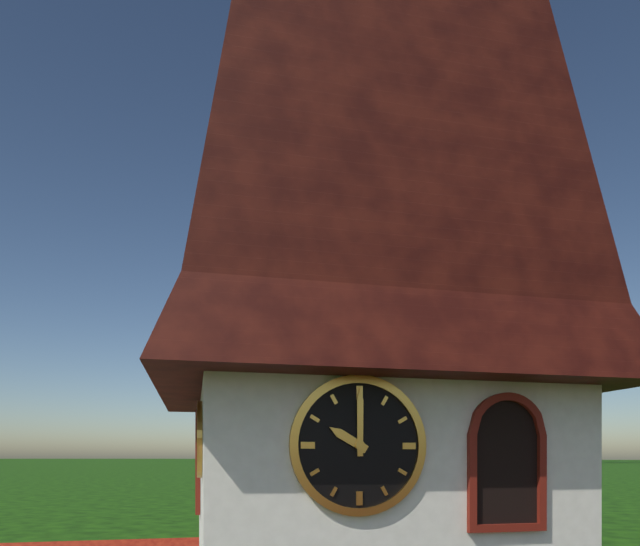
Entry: 10:00
